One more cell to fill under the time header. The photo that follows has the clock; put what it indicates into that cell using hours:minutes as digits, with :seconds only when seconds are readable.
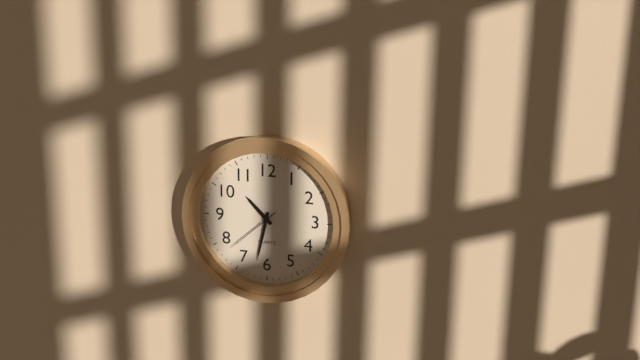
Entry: 10:32:38
